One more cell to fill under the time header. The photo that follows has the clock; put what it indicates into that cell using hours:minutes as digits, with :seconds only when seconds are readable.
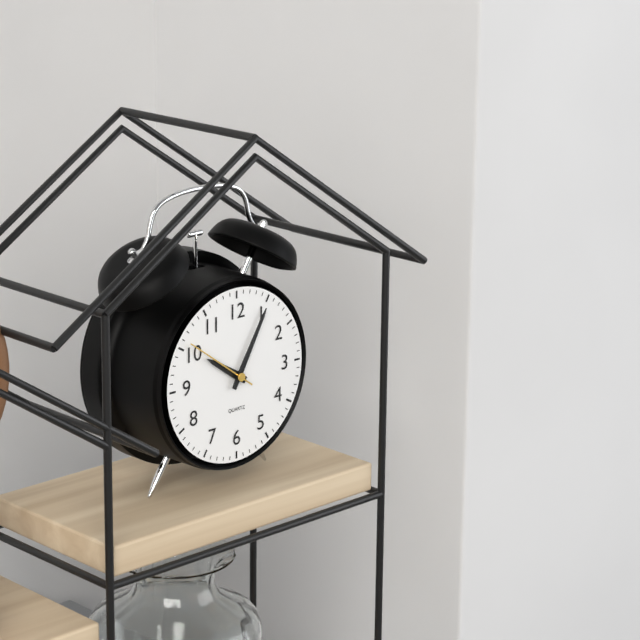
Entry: 10:05:51
